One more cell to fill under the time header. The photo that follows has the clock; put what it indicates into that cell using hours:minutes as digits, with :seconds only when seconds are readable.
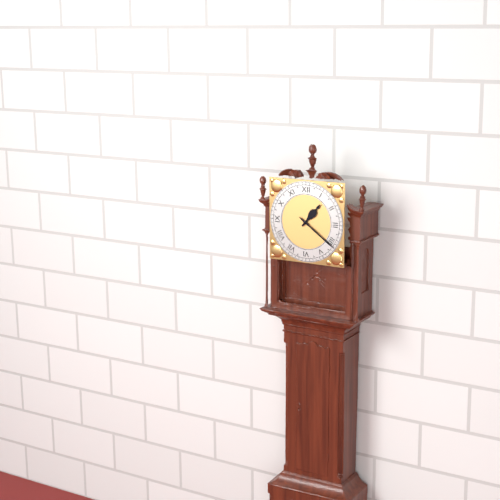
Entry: 1:21
